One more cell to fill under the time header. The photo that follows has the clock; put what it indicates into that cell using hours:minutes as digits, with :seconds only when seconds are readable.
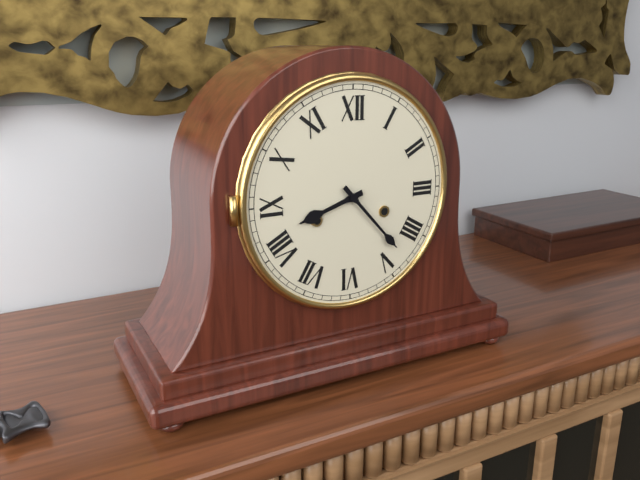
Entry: 8:23
